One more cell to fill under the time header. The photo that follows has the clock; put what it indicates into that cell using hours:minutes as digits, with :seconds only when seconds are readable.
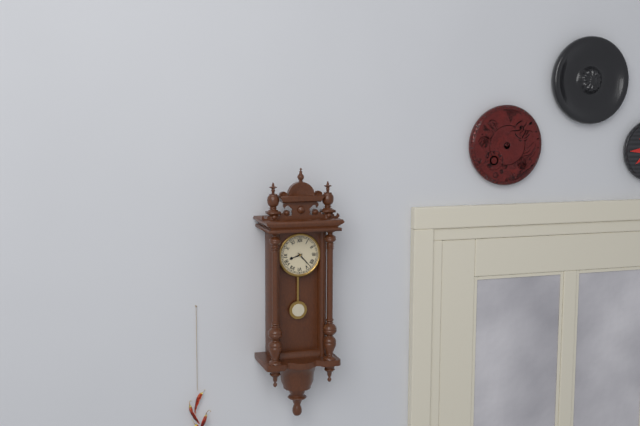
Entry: 8:23
